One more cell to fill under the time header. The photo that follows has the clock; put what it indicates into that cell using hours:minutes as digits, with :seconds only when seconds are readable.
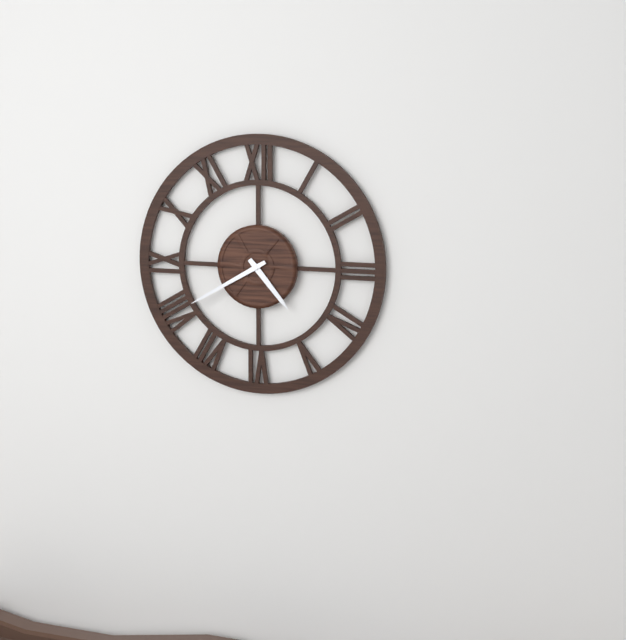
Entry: 4:40
